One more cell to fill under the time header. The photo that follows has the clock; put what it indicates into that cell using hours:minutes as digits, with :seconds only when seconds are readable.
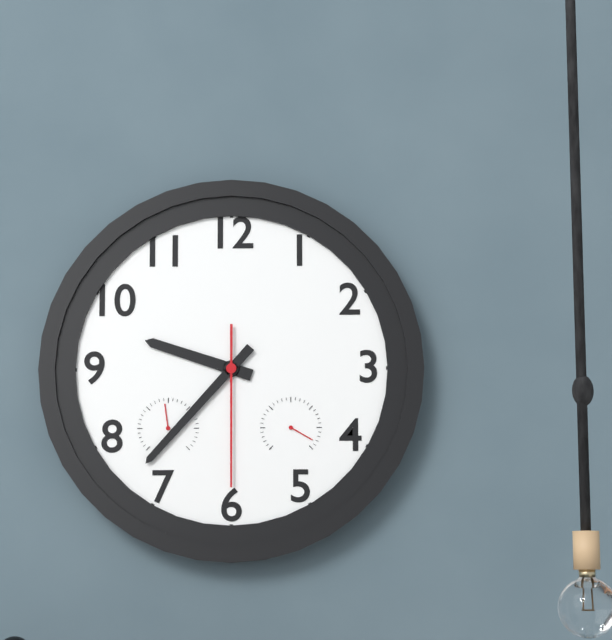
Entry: 9:37:30
